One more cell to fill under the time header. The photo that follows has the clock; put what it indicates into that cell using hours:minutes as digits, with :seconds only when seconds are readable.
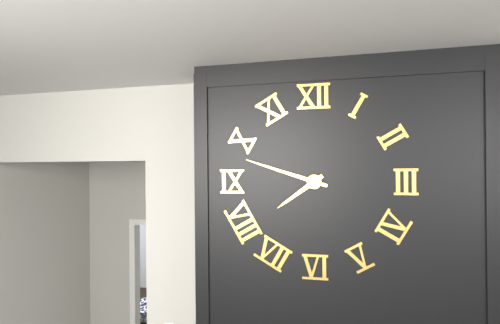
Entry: 7:48
